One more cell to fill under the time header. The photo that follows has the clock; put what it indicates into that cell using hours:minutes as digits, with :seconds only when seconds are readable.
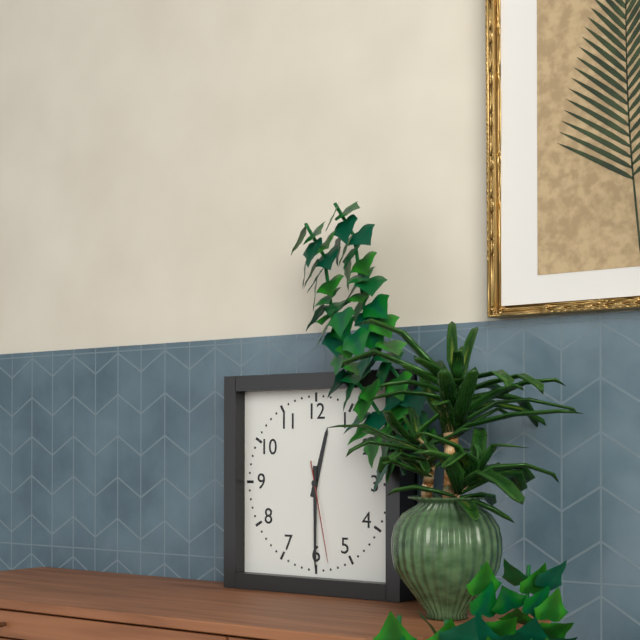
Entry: 12:30:28
